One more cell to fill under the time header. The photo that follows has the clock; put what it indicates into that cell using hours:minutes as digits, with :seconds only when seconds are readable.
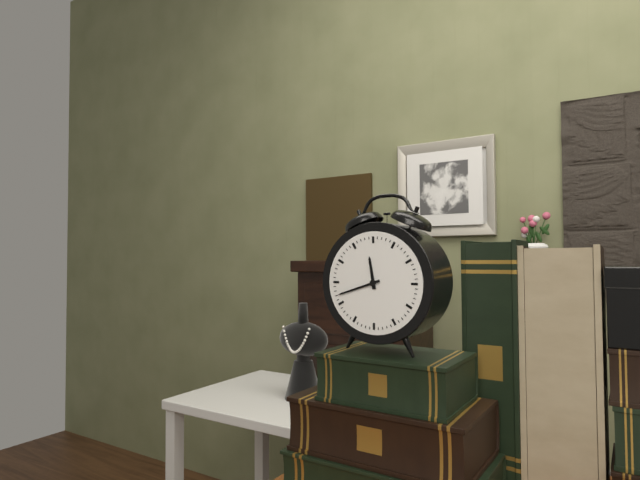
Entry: 11:42
